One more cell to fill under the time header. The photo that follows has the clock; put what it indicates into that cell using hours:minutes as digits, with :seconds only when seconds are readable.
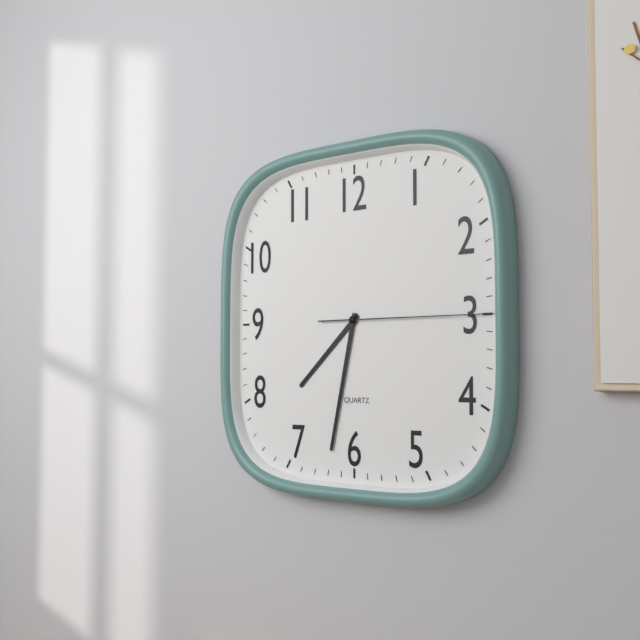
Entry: 7:32:15
